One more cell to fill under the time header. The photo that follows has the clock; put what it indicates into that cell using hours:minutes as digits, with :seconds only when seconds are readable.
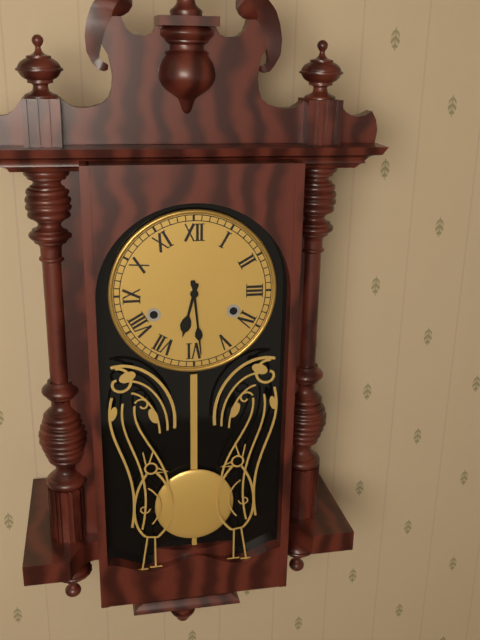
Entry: 6:29
